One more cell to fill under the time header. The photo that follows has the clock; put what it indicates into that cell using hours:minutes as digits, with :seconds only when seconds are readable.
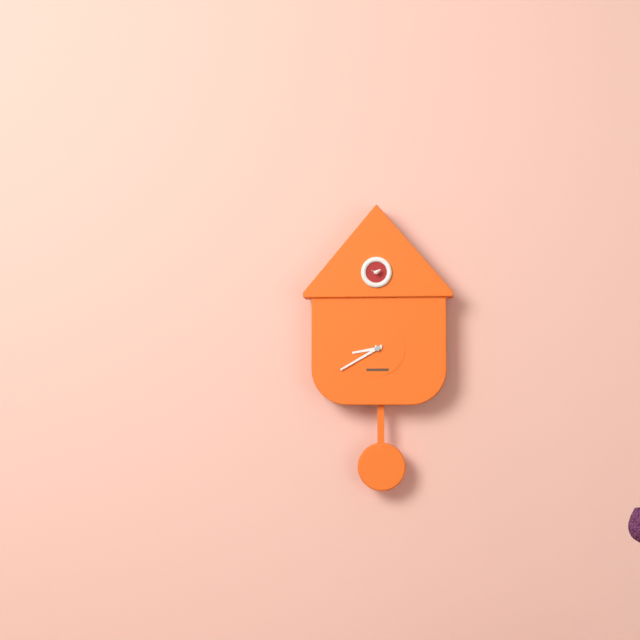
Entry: 8:40
